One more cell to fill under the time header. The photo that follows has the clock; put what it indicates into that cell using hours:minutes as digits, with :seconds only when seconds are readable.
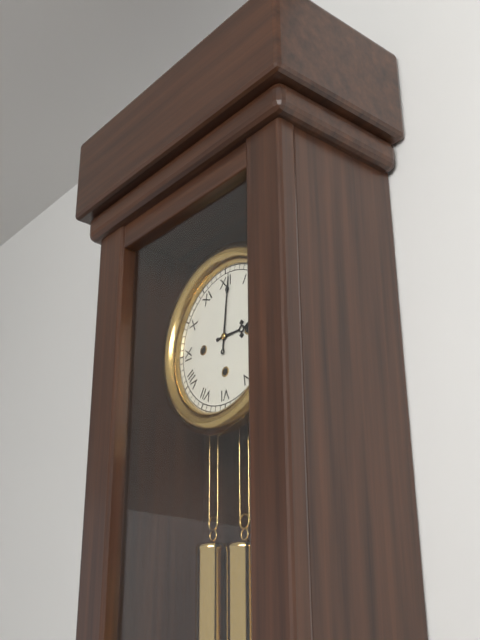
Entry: 3:01
